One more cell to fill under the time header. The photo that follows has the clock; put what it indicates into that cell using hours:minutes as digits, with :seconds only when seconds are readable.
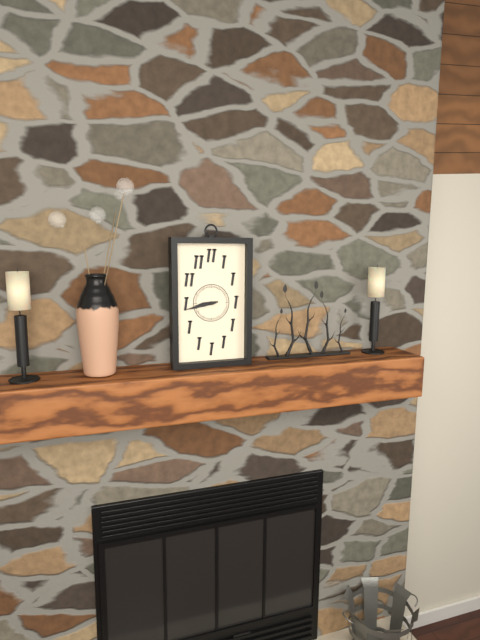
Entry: 8:43
